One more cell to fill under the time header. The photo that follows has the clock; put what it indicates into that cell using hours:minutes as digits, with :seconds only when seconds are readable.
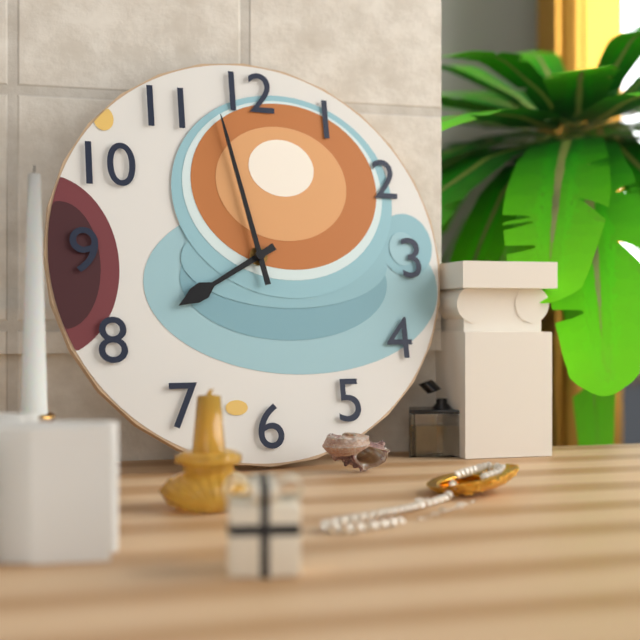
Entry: 7:58
